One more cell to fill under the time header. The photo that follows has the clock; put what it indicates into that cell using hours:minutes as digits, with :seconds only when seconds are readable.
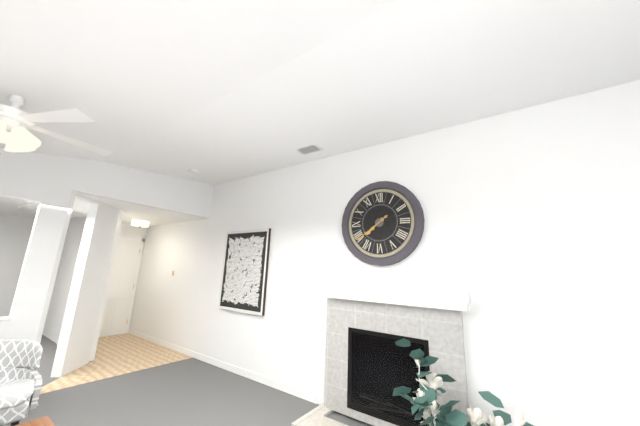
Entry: 7:39
